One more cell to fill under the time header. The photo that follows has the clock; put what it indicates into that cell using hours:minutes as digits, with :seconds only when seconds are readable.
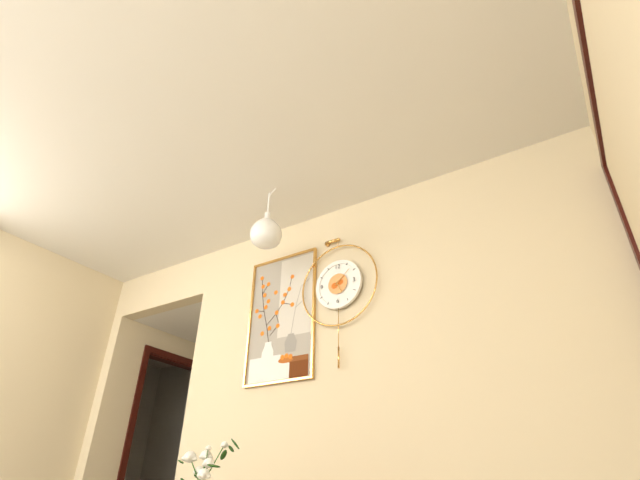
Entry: 5:08
